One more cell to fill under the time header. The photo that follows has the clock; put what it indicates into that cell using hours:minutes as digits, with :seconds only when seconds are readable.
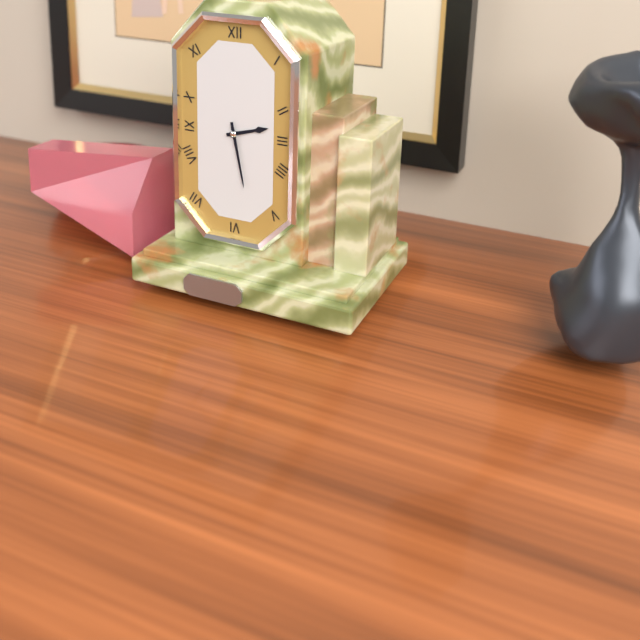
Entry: 2:28
